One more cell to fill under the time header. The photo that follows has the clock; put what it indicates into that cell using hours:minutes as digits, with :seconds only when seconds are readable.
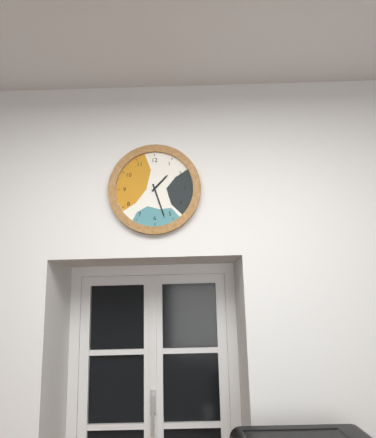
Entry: 1:27
